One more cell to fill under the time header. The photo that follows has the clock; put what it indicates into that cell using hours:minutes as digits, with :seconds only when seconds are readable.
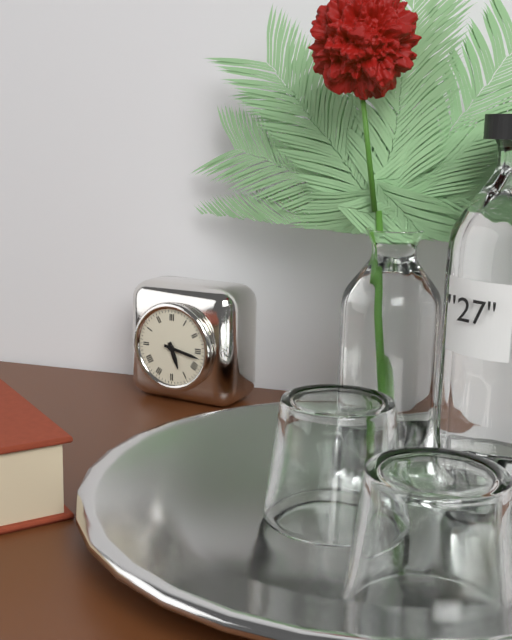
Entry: 5:17
